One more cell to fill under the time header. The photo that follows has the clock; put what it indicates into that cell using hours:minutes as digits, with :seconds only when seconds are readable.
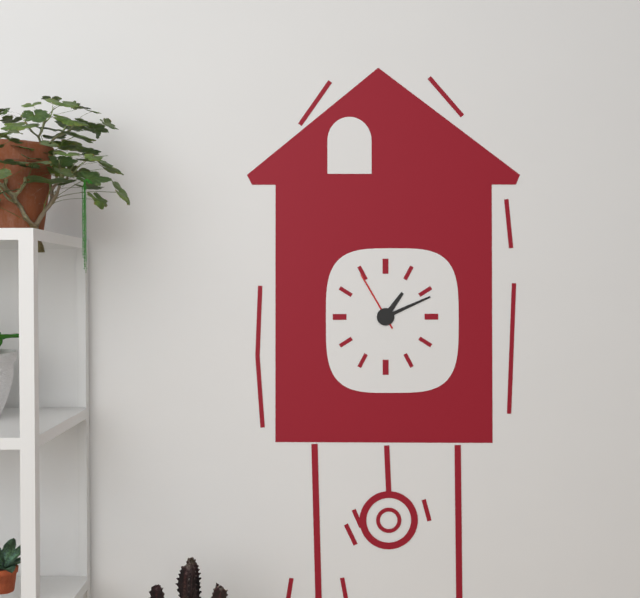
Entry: 1:11:55
